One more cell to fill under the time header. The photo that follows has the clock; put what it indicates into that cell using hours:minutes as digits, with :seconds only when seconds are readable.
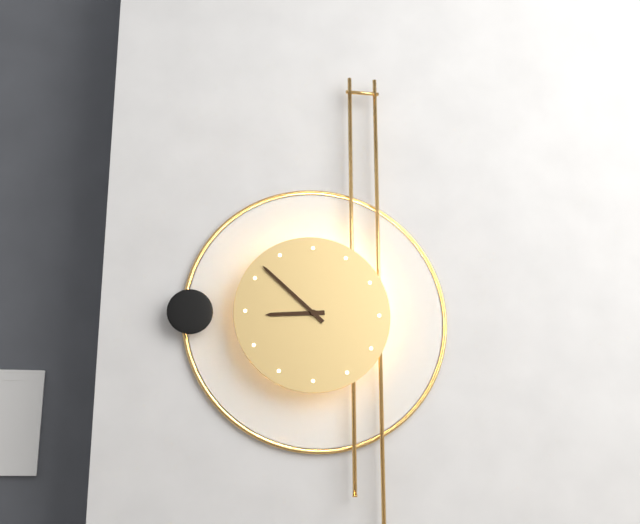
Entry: 8:52
